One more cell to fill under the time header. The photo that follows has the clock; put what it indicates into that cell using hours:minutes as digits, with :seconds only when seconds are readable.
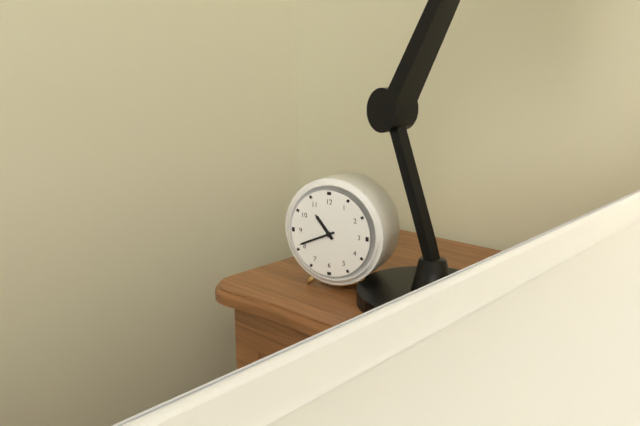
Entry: 10:41
